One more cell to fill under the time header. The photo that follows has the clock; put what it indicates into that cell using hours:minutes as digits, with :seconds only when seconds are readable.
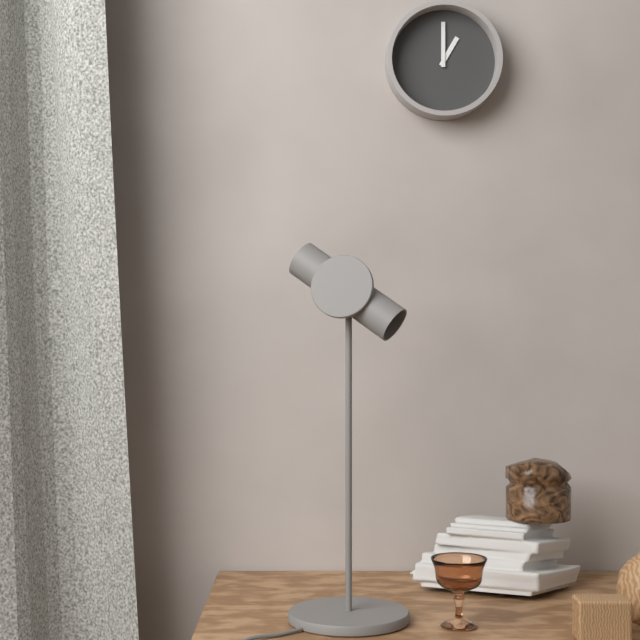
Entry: 1:00
